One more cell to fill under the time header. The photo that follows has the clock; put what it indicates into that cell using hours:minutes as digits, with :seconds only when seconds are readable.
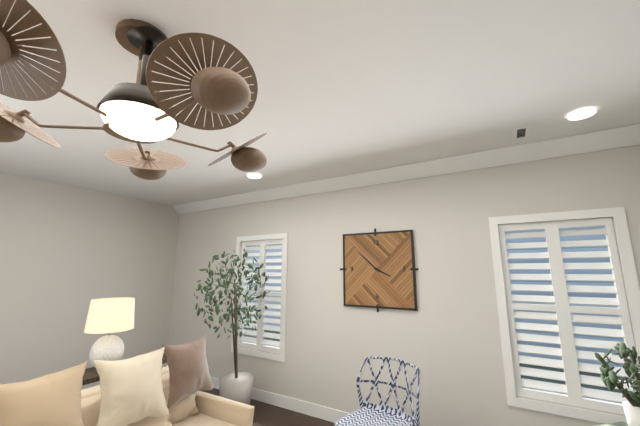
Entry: 3:52
